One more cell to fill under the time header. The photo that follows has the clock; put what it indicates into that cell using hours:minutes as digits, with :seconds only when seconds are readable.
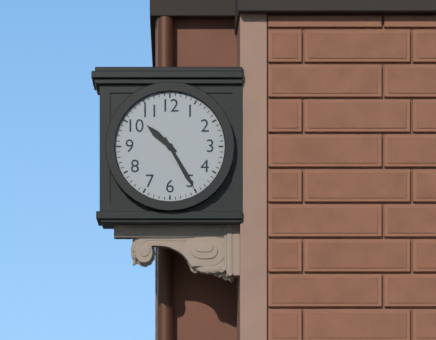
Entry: 10:25
